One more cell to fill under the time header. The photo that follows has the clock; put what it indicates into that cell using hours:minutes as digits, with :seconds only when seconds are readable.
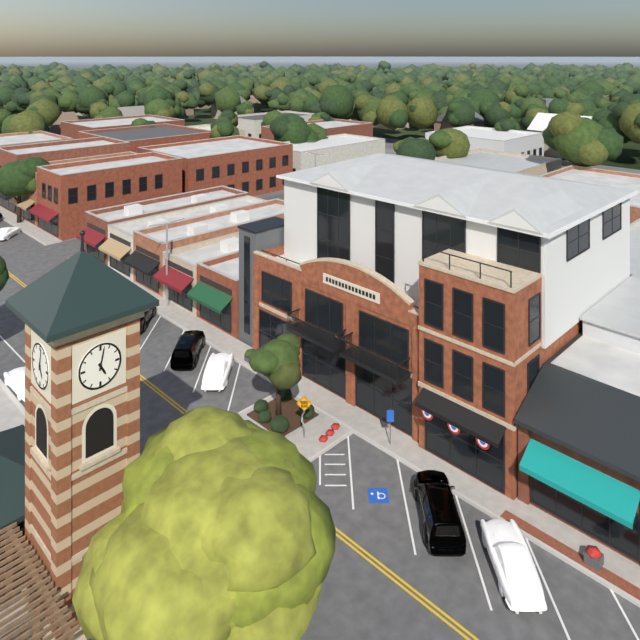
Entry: 5:02
